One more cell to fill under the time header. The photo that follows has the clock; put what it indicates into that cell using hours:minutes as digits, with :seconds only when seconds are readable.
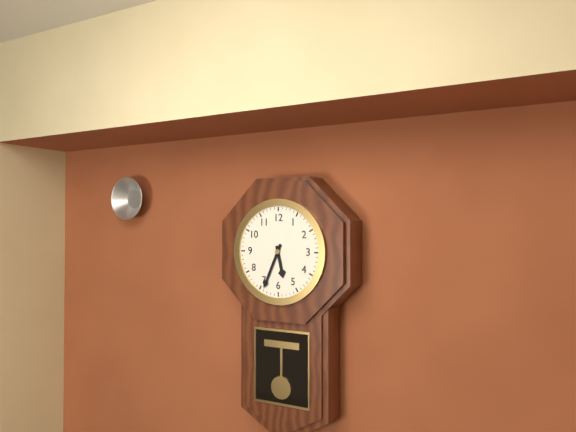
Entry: 5:34
